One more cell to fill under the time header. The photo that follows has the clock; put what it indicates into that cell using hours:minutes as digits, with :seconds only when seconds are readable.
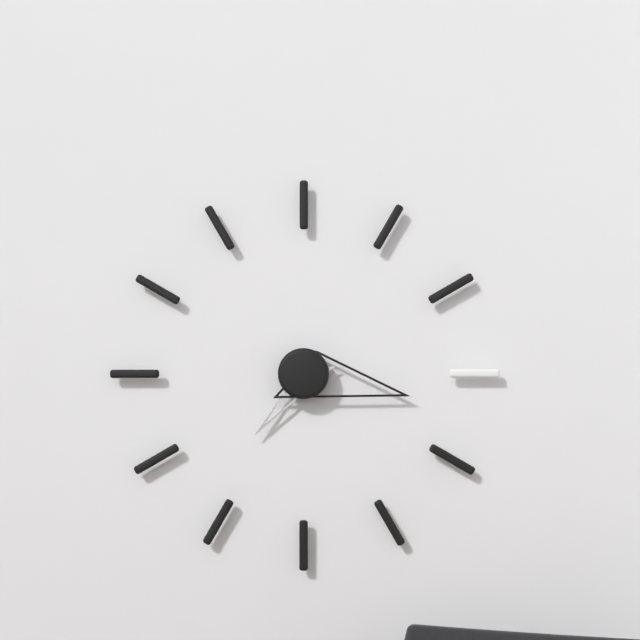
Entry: 7:17
